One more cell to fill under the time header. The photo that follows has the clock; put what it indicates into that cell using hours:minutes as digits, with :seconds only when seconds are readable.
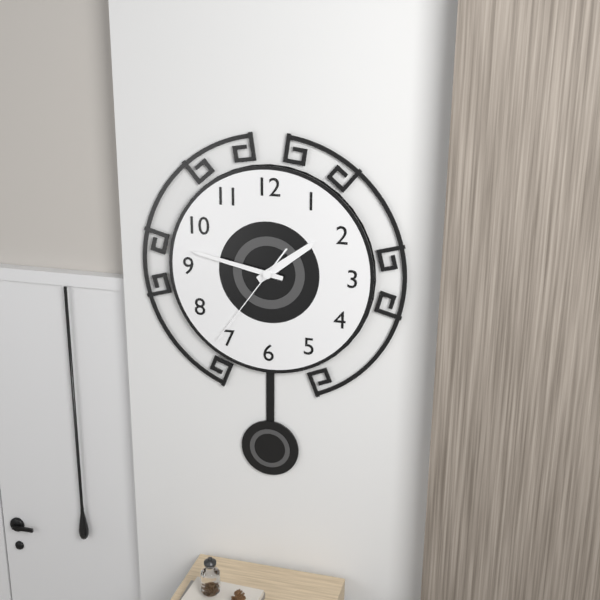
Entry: 1:47:36
